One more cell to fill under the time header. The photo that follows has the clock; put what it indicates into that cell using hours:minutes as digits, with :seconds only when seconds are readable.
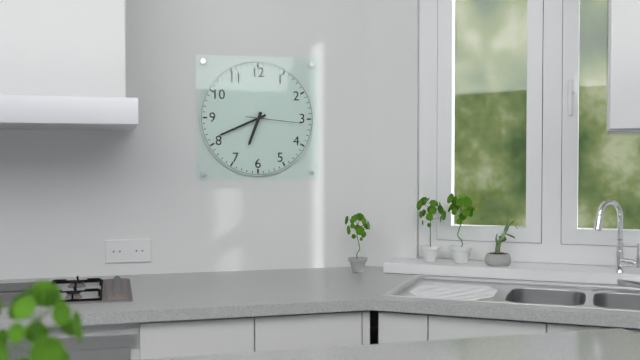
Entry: 6:41:16
